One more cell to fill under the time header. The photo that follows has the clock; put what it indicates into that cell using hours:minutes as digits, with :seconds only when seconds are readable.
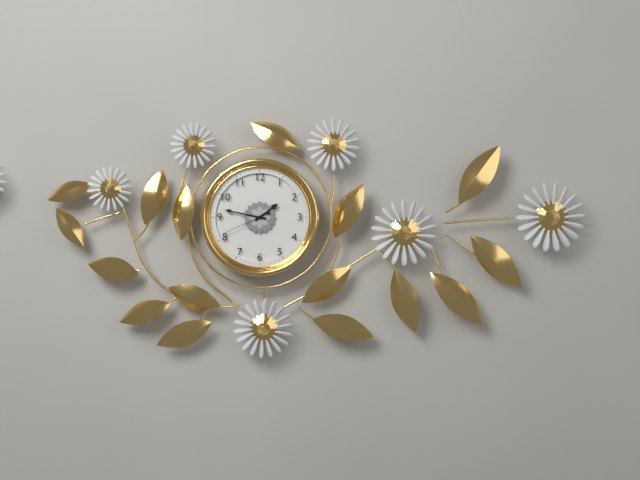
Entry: 1:47:41
